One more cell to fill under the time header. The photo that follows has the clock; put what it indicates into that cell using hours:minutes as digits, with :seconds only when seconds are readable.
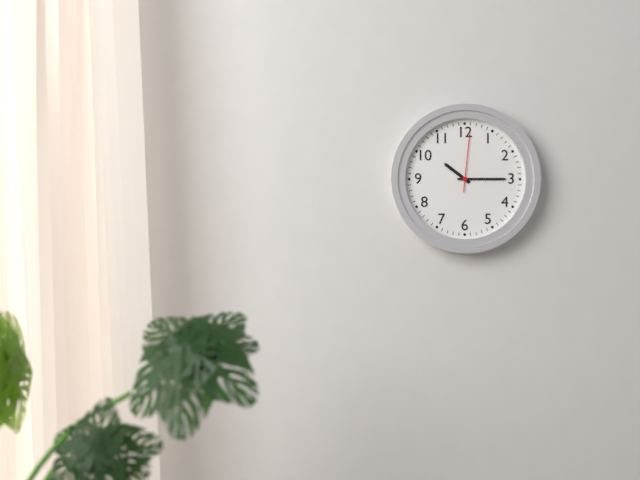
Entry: 10:15:01
